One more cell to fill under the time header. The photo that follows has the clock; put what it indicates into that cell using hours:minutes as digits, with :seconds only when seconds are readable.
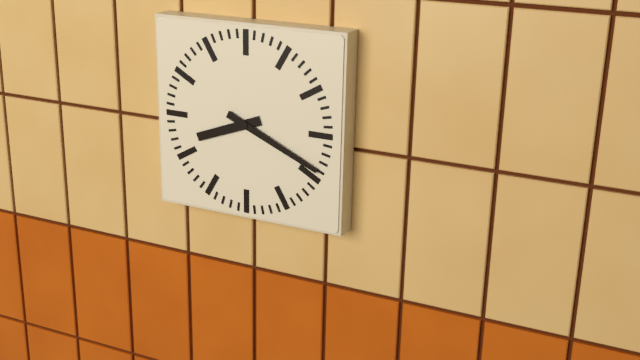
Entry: 8:19
